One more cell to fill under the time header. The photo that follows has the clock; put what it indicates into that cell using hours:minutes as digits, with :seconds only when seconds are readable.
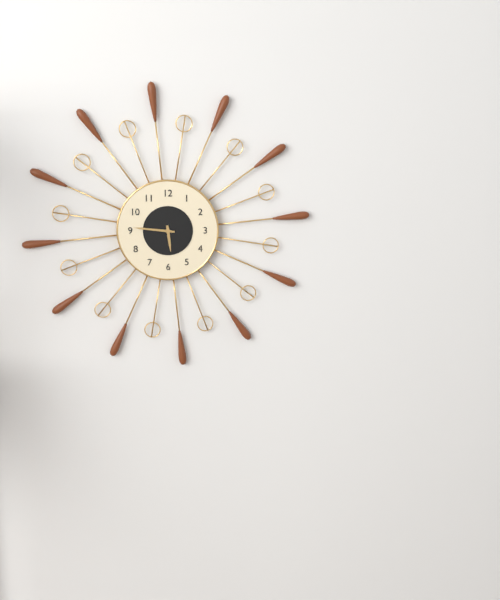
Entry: 5:46
